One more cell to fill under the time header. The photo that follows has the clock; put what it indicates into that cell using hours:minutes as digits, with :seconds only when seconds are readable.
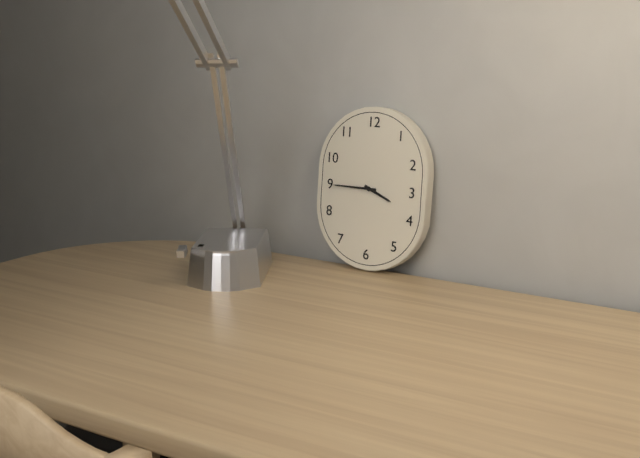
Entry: 3:45
